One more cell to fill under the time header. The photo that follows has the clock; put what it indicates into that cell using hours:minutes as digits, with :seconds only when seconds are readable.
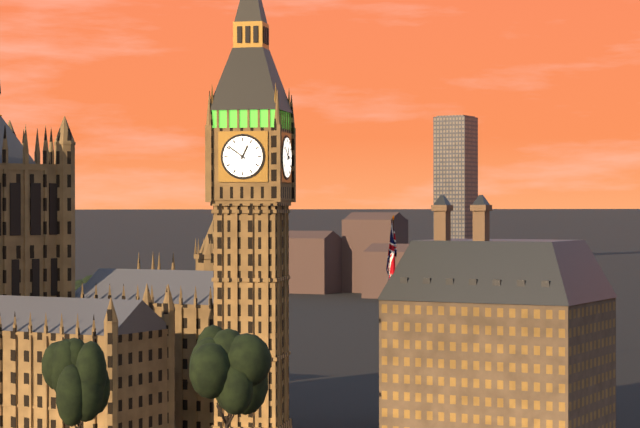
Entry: 12:51
